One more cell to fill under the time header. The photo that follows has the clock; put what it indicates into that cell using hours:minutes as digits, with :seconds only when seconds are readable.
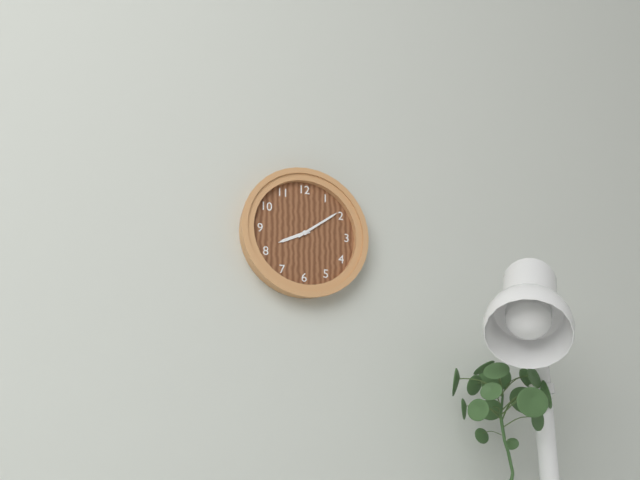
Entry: 8:09
